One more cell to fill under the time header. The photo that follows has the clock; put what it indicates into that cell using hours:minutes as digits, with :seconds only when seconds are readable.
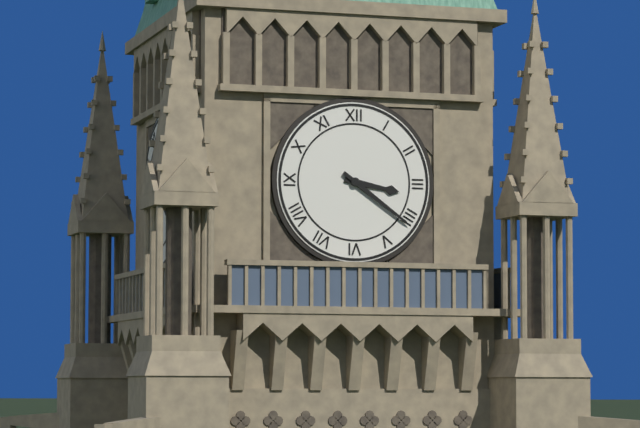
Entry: 3:21
